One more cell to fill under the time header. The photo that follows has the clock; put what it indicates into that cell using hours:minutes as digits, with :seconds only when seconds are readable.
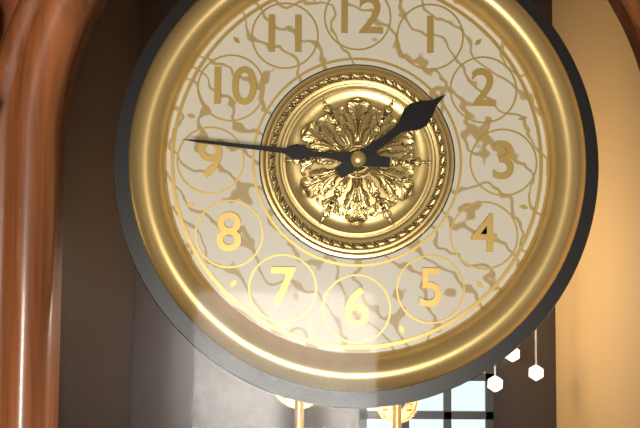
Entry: 1:46
